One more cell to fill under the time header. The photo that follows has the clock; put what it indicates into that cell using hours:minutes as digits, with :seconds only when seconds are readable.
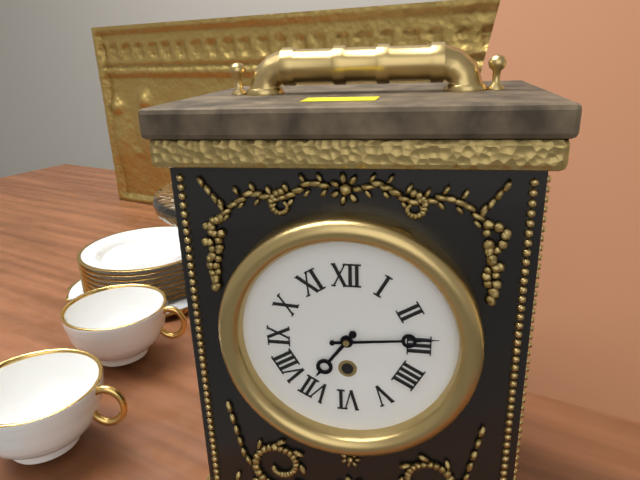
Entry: 7:14
